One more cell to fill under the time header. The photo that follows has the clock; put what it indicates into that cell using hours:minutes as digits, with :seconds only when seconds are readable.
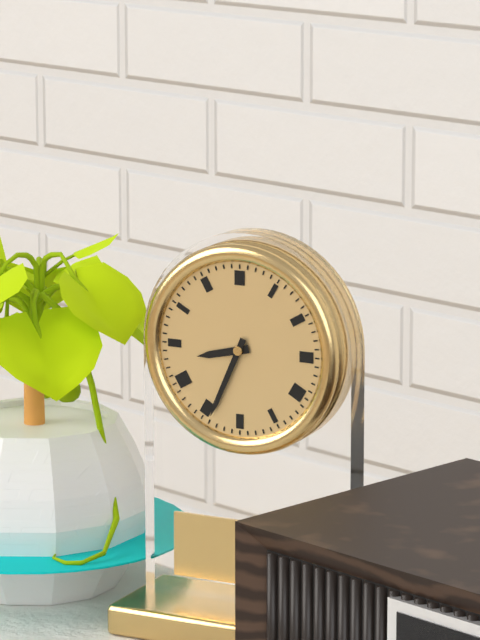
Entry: 8:34
